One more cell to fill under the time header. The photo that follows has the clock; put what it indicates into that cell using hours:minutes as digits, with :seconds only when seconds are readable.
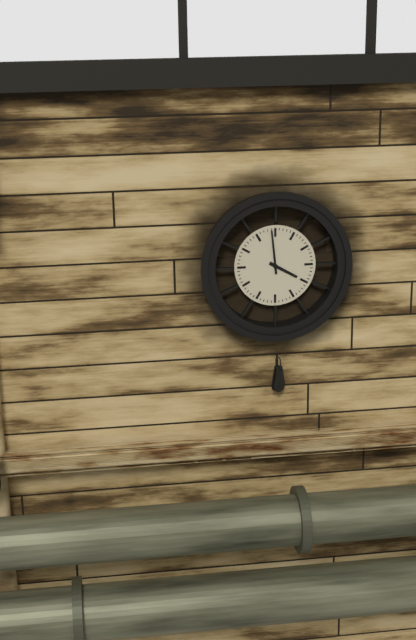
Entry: 3:59
